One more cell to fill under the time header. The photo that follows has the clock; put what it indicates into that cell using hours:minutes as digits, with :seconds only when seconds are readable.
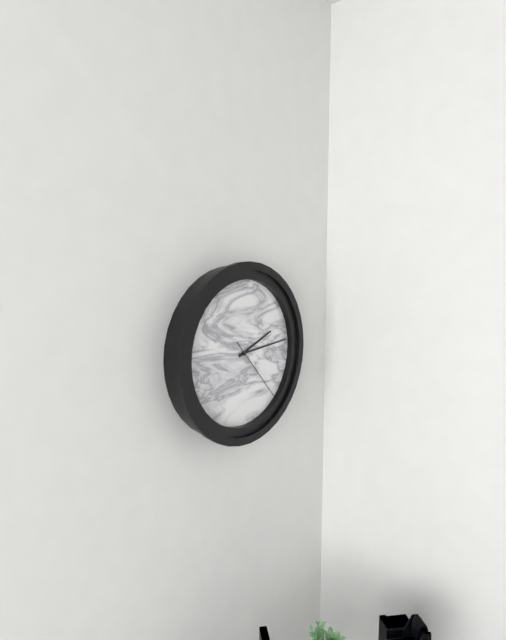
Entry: 2:14:23
